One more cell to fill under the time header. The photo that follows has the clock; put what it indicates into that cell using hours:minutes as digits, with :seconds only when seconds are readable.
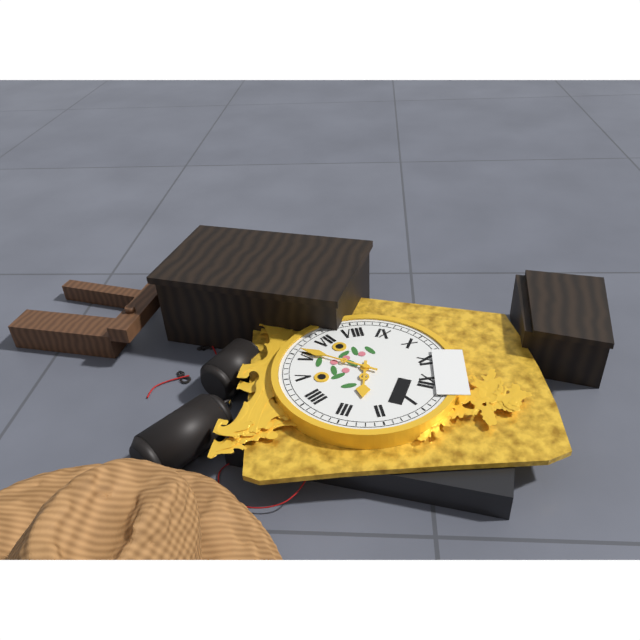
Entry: 2:31
